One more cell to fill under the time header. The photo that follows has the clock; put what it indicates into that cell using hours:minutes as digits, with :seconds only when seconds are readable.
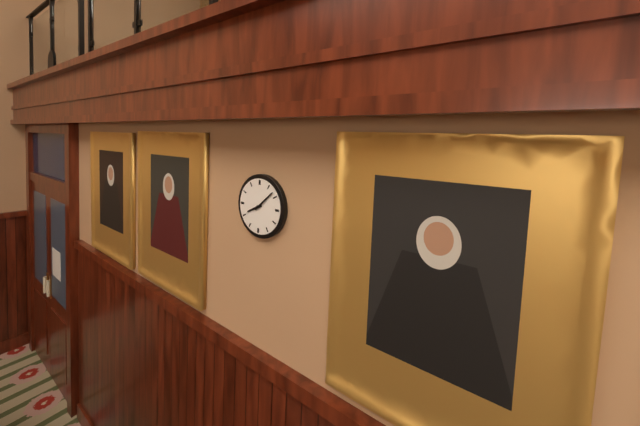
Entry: 8:08
